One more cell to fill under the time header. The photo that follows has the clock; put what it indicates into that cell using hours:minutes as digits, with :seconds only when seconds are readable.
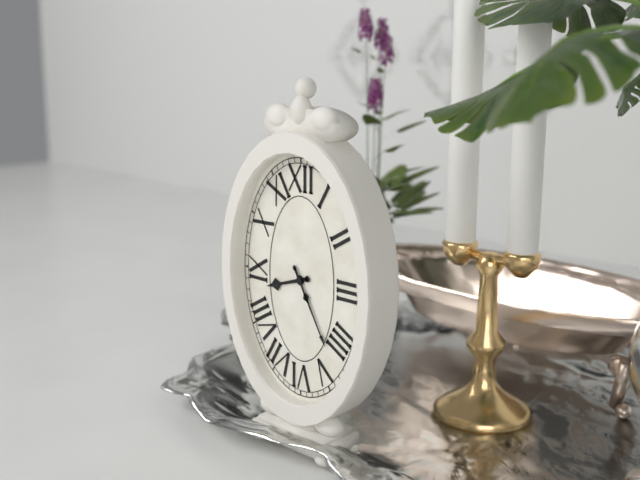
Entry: 8:25
